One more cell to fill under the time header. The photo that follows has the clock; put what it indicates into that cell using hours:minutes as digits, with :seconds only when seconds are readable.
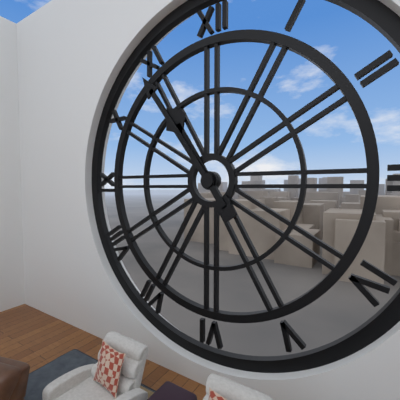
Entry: 10:54
